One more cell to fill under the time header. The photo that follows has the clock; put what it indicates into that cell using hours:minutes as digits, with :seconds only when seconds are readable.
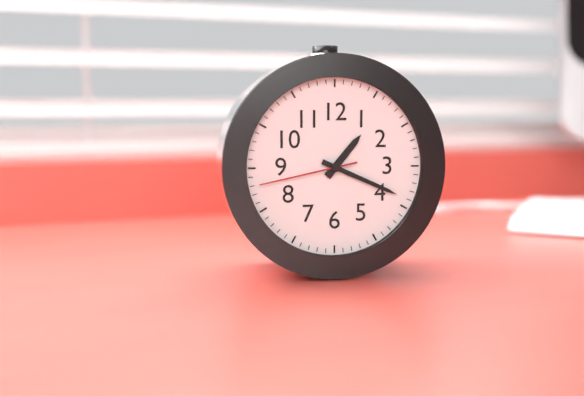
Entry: 1:19:43
